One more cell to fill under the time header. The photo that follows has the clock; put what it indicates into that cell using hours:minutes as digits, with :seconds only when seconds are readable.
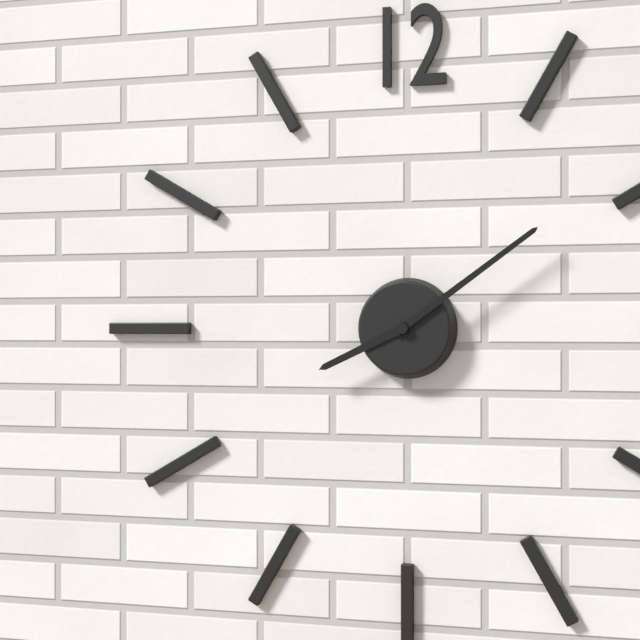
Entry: 8:09
